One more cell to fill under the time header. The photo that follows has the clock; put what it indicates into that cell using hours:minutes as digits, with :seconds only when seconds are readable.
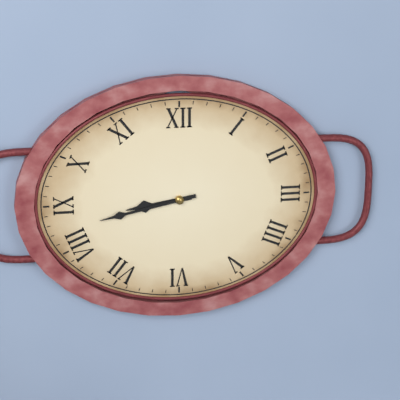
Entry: 8:43
